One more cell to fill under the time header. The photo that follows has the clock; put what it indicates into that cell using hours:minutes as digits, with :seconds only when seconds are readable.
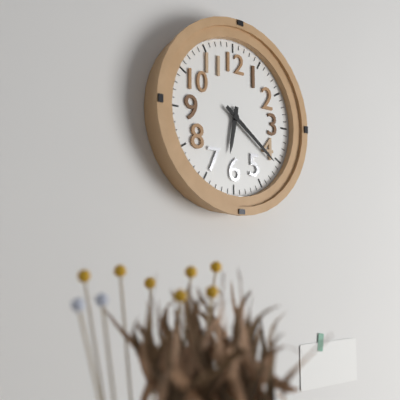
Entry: 6:21
